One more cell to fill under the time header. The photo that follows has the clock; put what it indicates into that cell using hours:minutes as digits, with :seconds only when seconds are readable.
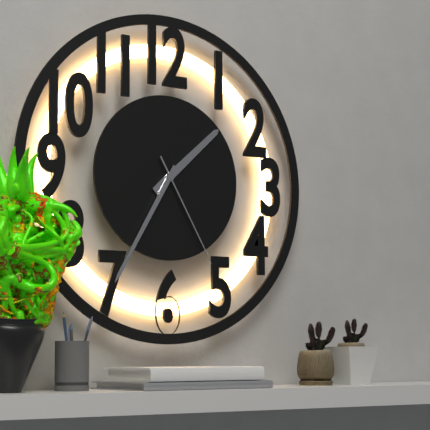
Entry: 1:35:25
